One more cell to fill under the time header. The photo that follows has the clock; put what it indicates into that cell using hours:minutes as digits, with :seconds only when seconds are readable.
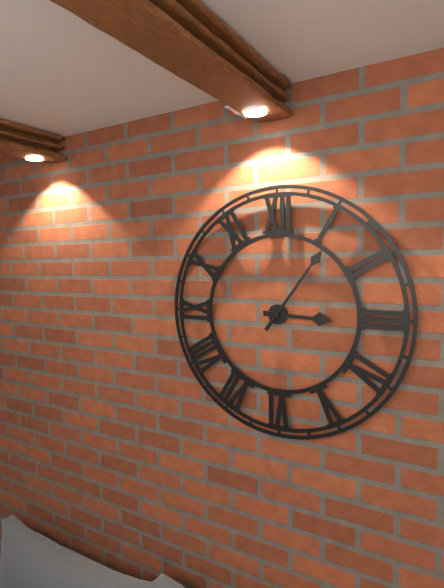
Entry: 3:06
